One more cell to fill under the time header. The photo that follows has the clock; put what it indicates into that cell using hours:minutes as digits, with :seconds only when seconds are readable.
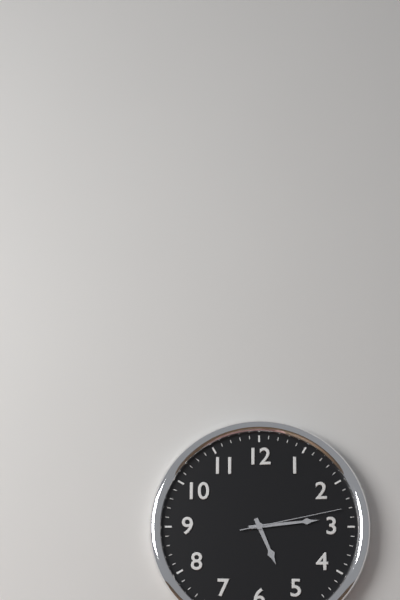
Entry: 5:14:13
